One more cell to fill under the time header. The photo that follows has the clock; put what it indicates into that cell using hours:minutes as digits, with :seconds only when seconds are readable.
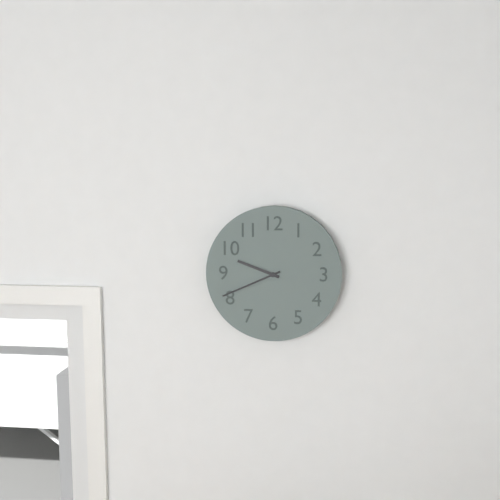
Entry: 9:41
